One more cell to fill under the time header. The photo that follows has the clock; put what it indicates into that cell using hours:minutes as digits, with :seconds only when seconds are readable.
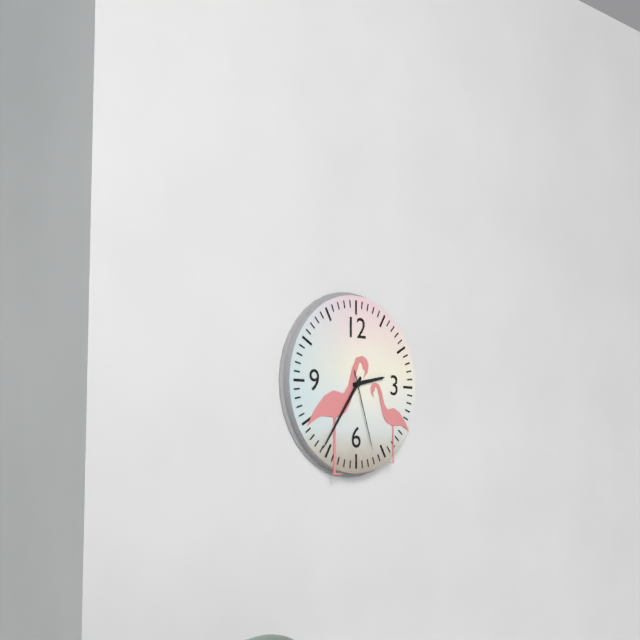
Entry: 2:36:27
